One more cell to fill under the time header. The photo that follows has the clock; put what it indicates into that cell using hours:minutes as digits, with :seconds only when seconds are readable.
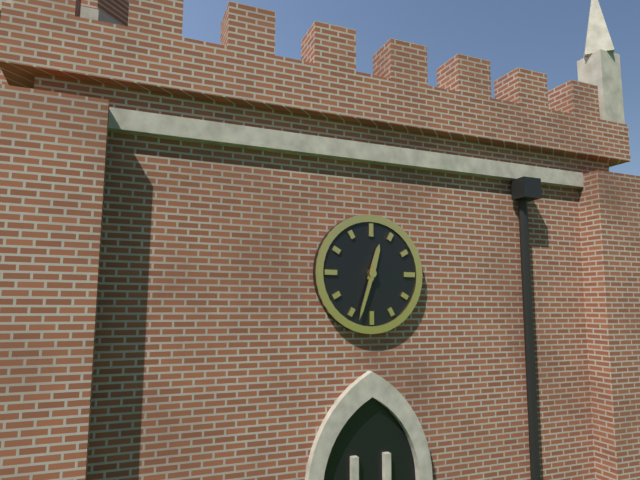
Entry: 12:33
